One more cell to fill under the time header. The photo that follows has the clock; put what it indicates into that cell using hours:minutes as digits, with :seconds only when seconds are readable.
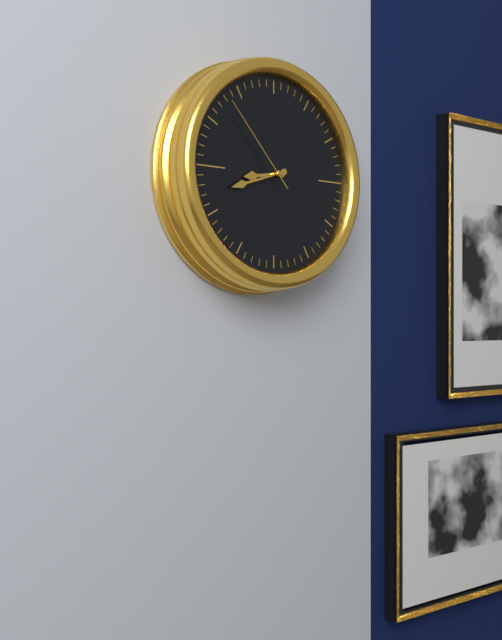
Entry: 8:42:53
